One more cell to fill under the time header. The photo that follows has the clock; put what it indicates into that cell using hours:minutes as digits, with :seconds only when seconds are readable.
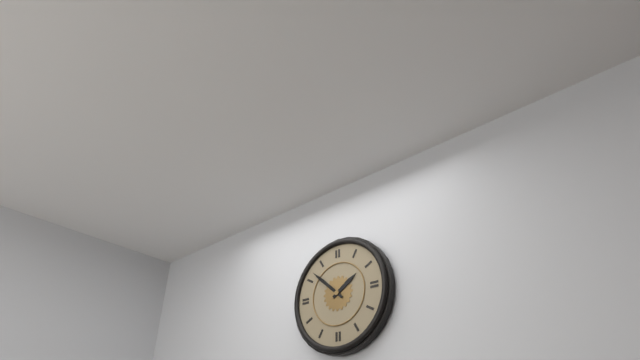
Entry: 1:52
